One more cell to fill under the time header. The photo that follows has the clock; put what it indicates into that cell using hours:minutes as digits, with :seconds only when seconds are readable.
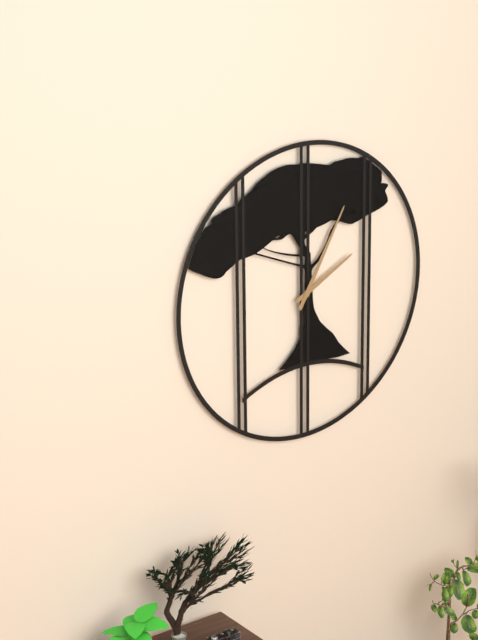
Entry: 2:05
